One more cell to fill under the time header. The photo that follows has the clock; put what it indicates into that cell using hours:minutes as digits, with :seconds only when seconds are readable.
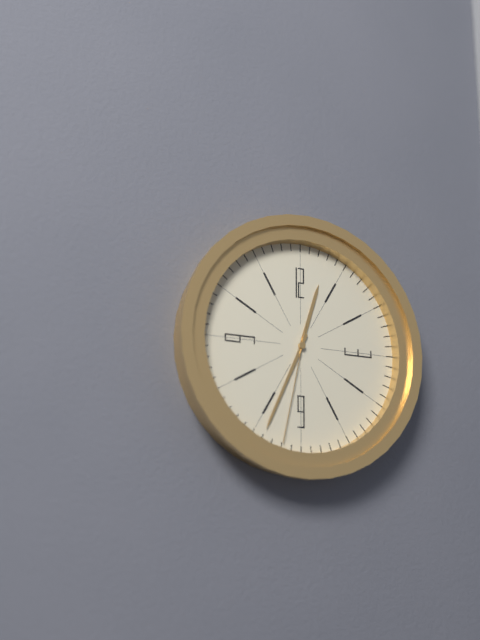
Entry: 12:34:32
